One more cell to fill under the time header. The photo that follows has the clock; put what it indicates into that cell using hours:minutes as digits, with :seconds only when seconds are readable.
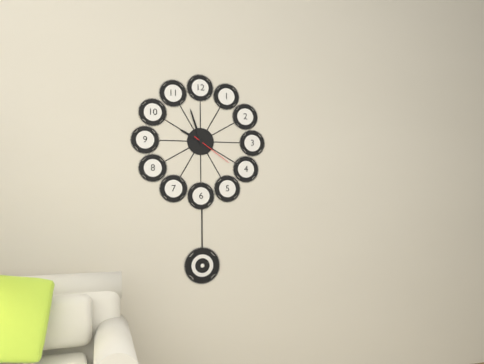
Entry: 9:57
